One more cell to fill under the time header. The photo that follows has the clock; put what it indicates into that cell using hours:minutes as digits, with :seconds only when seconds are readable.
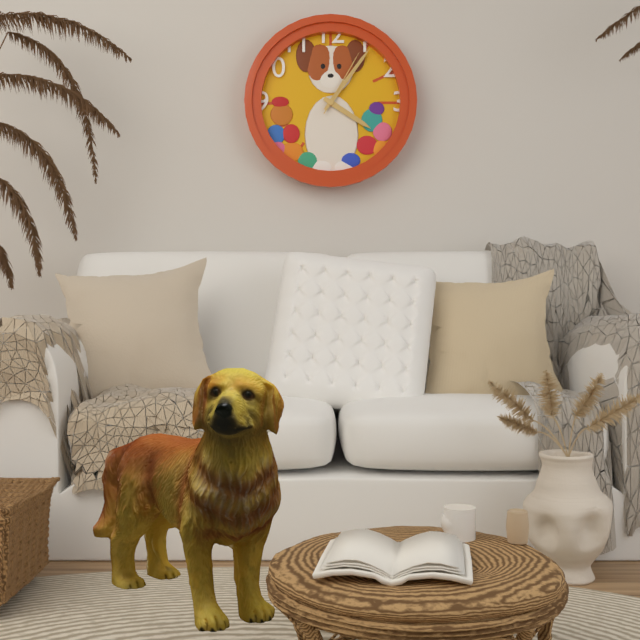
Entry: 4:06:05
